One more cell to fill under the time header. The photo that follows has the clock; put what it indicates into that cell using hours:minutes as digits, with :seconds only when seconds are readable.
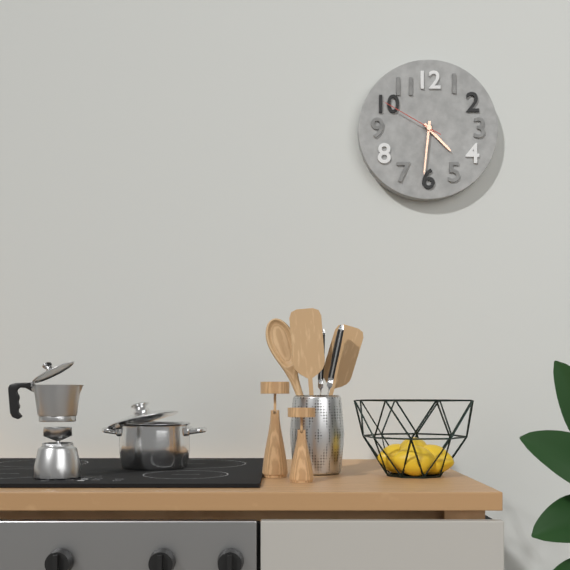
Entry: 4:31:50
